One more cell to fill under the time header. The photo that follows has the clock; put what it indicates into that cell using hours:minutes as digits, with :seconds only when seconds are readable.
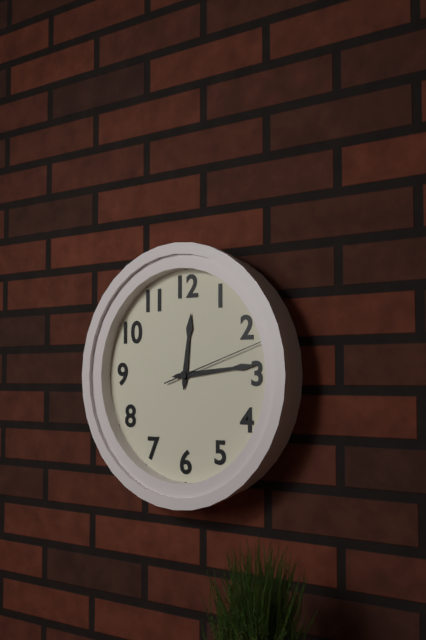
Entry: 12:14:12
